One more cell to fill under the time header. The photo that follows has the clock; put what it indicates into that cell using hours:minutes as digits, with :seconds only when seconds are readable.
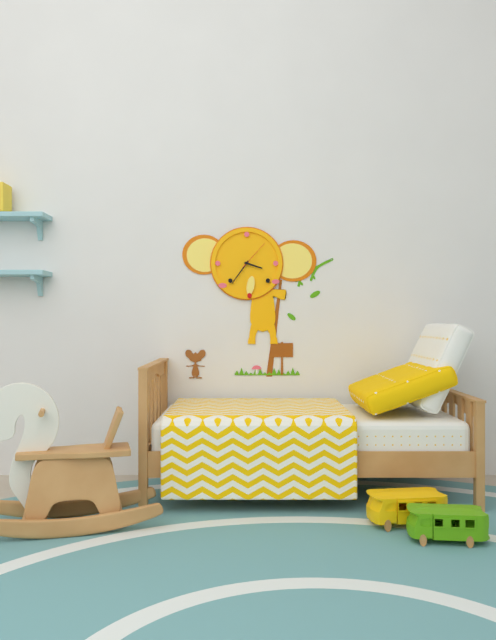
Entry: 3:36
